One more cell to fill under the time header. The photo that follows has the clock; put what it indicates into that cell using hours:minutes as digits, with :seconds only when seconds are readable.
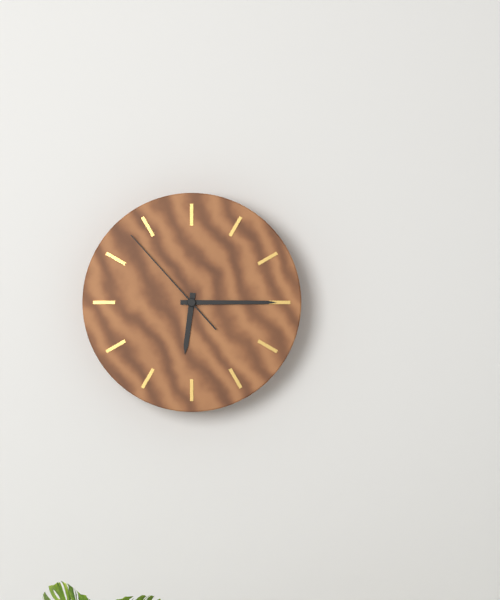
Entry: 6:15:53
